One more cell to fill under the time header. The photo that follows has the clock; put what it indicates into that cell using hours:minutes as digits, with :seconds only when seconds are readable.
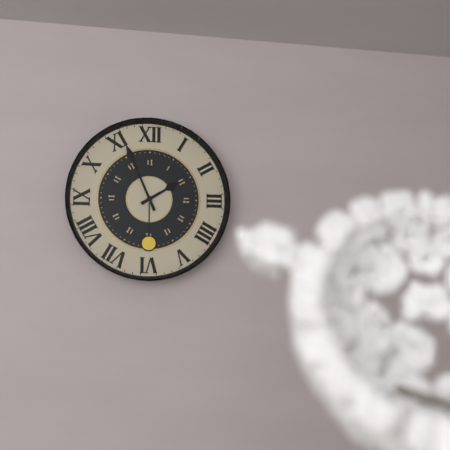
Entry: 1:56
